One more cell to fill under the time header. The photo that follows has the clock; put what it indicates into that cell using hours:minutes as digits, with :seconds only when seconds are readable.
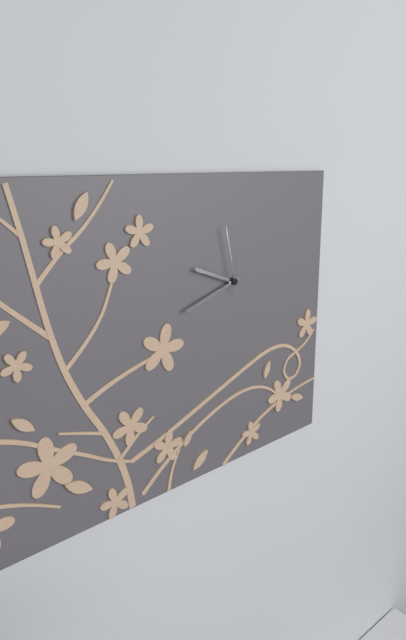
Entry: 9:42:58
